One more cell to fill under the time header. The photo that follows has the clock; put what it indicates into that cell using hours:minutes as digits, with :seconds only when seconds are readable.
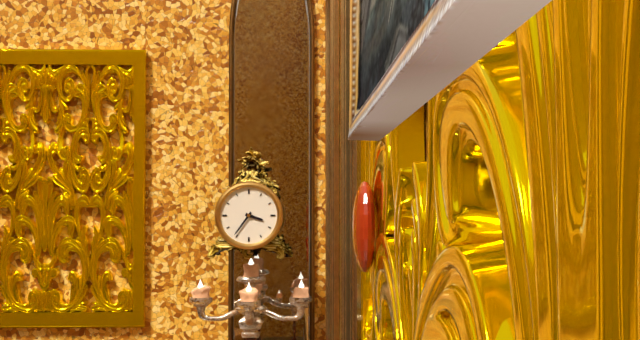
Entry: 3:36
